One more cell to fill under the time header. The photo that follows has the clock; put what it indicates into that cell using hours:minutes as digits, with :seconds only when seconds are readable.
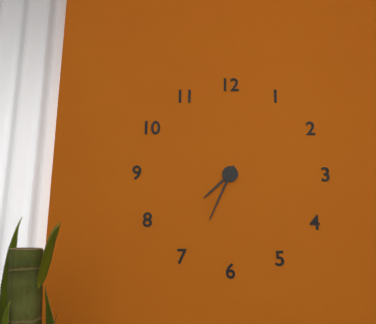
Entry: 7:34
